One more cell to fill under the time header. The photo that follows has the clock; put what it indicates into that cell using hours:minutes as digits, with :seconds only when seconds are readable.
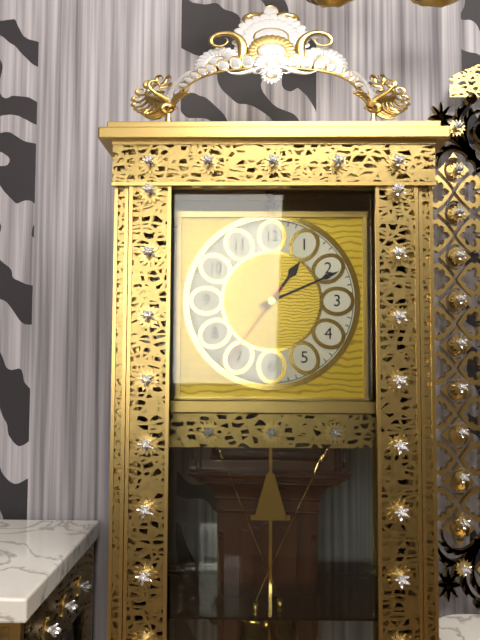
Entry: 1:11:36
